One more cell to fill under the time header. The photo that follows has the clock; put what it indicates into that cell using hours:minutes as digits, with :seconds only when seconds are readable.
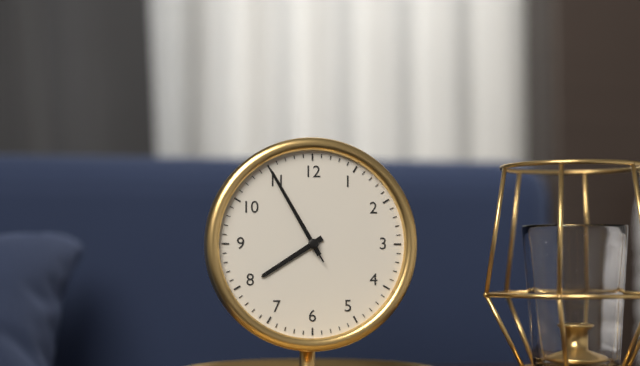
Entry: 7:55:55
